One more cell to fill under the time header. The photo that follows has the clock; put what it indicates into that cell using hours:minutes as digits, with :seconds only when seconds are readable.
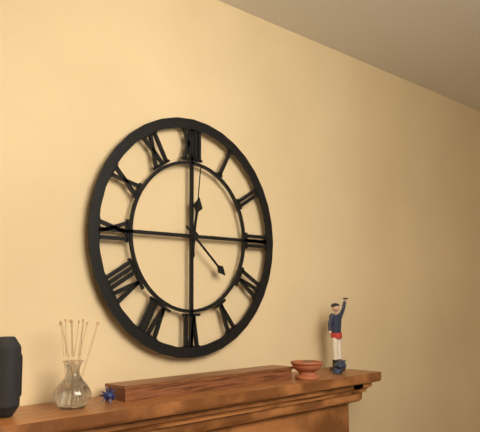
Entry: 12:22:01
